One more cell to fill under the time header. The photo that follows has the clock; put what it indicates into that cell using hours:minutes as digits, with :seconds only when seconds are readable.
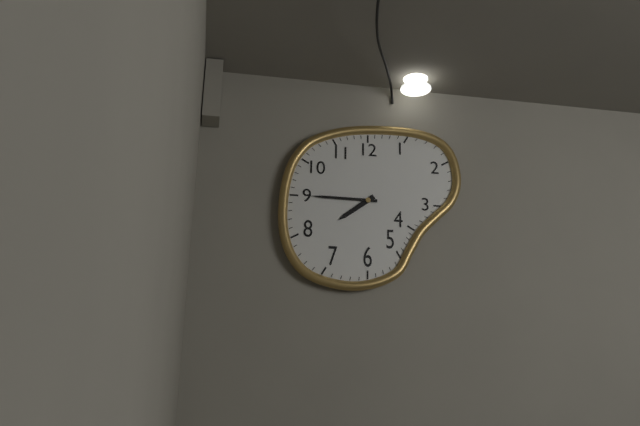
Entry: 7:45
